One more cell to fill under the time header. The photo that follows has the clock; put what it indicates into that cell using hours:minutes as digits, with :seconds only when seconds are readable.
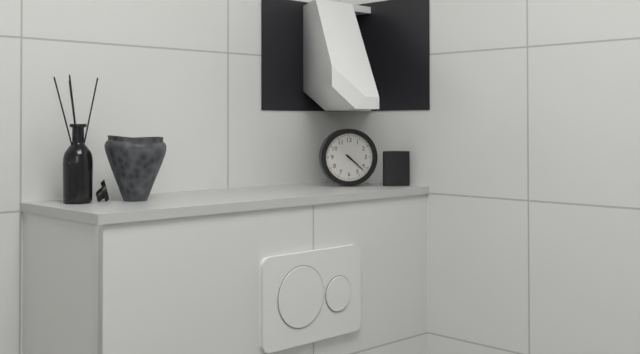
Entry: 4:22
